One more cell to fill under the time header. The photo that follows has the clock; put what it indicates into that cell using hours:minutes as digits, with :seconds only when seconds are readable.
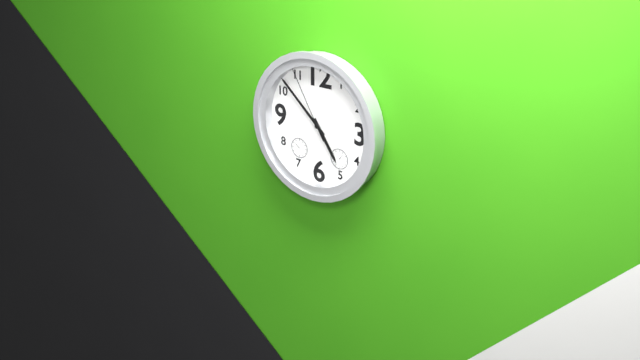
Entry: 4:52:55
